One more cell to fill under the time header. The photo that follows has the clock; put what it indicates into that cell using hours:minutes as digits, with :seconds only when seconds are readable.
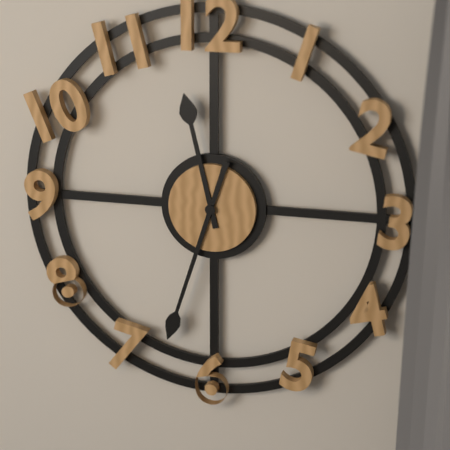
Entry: 11:33
